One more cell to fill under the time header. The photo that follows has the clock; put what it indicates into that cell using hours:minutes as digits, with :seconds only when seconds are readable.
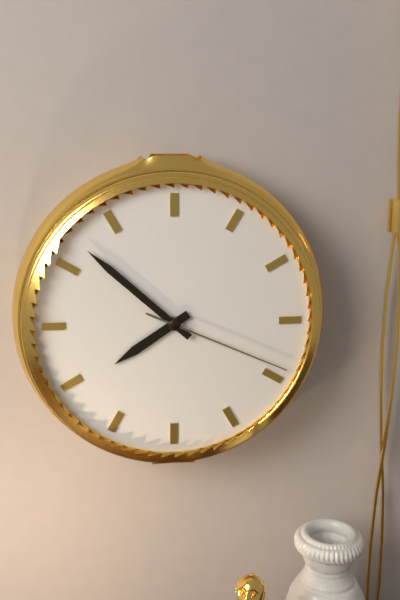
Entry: 7:52:19
